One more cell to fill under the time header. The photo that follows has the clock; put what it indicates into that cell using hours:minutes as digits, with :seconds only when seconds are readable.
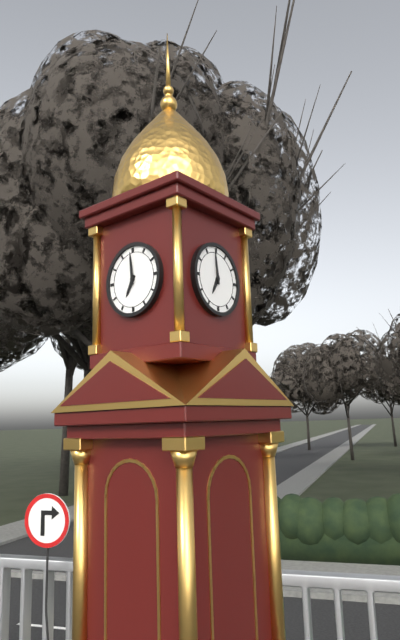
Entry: 6:59
